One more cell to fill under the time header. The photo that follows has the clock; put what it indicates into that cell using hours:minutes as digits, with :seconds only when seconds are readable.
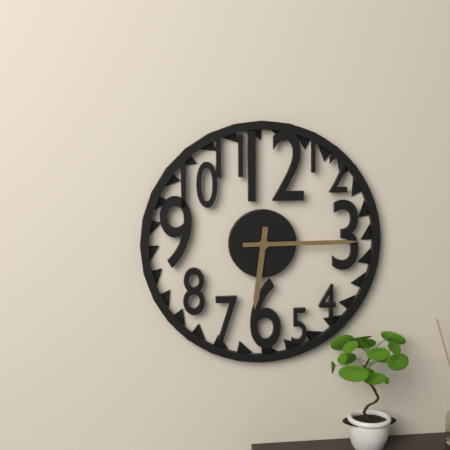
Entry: 6:15
